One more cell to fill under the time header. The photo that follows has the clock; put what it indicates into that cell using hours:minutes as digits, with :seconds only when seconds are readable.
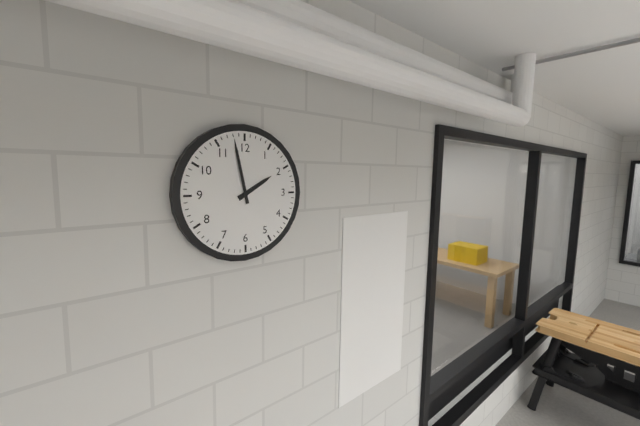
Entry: 1:58
